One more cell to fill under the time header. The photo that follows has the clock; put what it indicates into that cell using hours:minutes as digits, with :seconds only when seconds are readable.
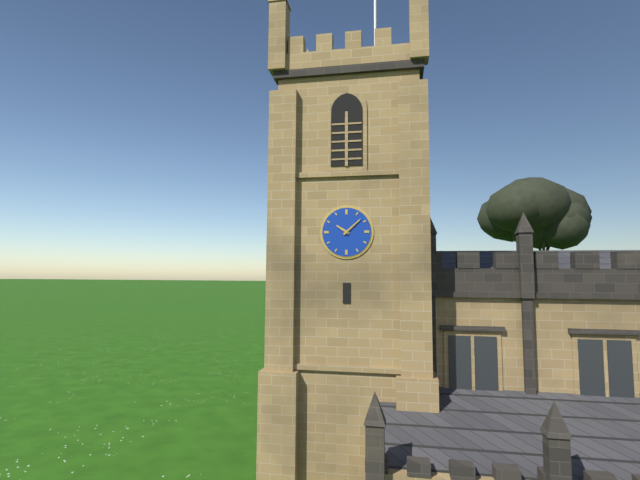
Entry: 10:08
